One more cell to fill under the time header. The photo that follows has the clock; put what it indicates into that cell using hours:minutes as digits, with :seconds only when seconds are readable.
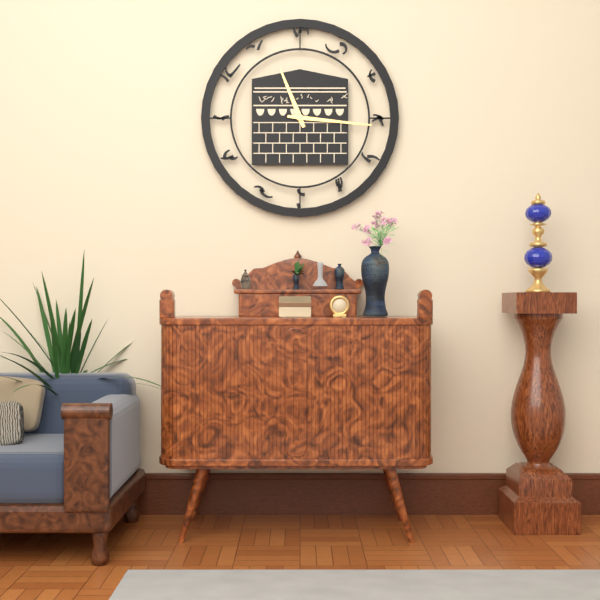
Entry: 11:16
